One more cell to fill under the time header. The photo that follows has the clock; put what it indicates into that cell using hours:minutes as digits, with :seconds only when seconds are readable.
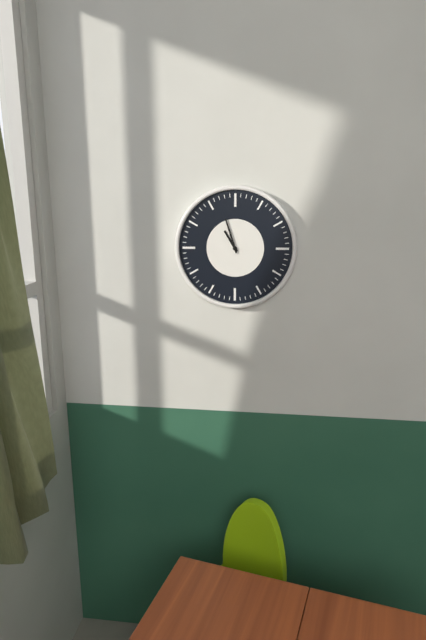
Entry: 10:57
